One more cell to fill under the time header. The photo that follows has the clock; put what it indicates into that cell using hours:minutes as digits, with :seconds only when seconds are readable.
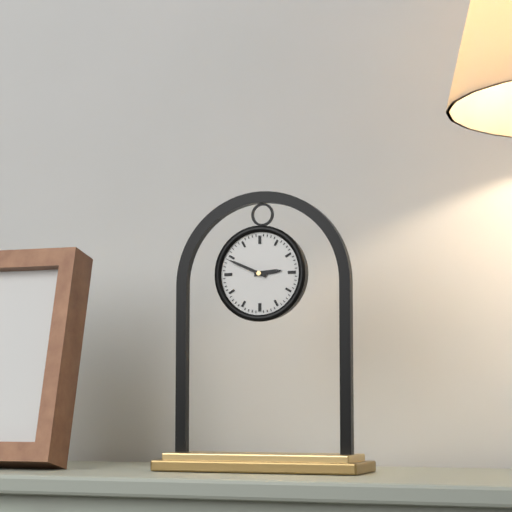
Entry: 2:49
